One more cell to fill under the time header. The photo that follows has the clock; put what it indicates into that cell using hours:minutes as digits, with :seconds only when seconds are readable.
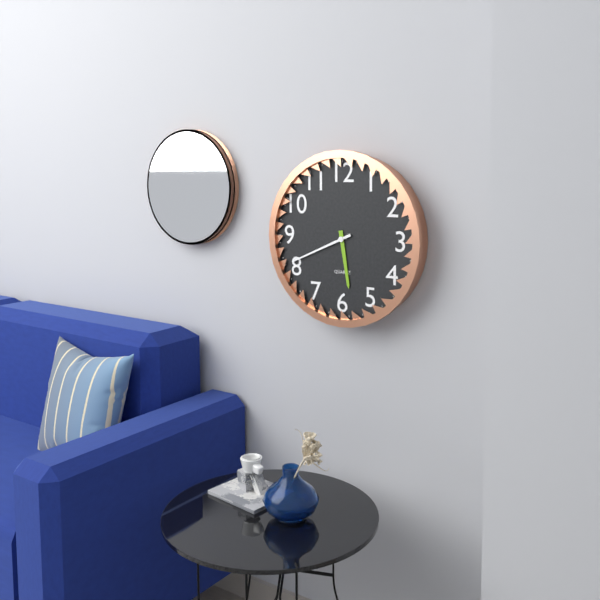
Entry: 5:41
